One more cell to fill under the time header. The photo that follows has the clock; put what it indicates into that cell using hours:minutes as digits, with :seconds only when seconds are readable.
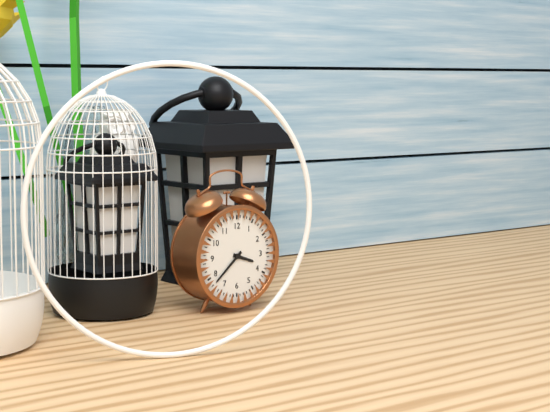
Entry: 3:38
